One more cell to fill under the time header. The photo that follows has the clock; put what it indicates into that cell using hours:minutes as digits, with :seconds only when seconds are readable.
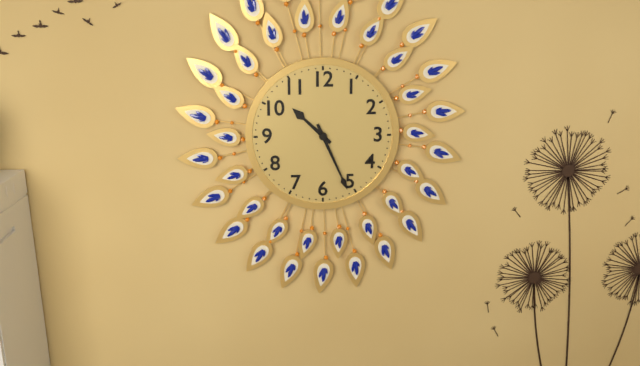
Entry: 10:26
